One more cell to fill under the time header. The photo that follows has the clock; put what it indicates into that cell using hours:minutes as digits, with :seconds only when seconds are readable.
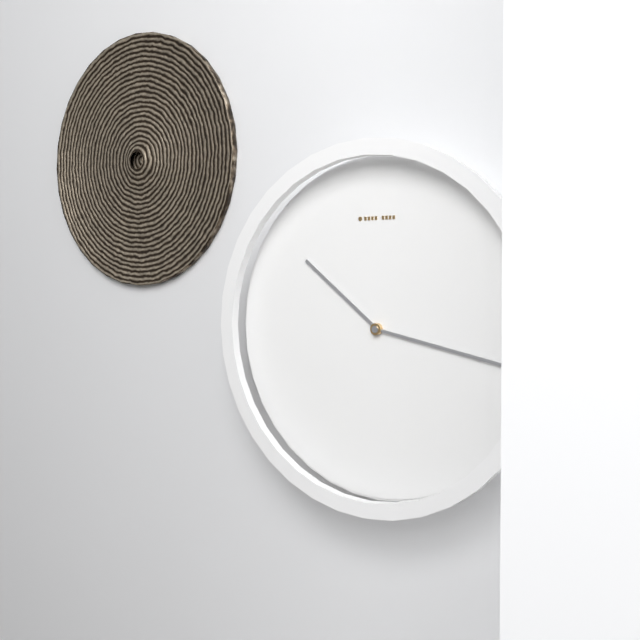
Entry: 10:17
